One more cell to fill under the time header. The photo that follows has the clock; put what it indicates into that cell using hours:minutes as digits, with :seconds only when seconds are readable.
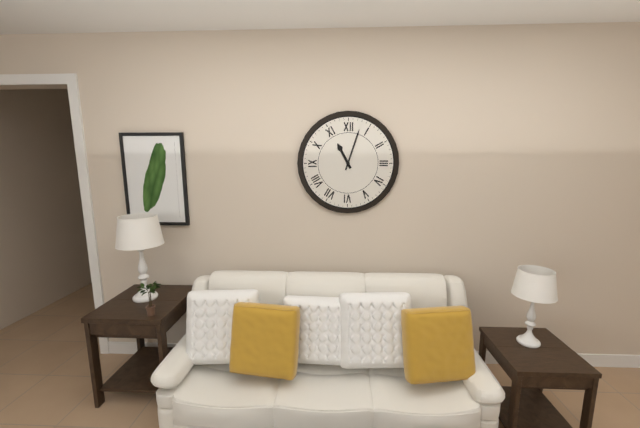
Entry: 11:03
